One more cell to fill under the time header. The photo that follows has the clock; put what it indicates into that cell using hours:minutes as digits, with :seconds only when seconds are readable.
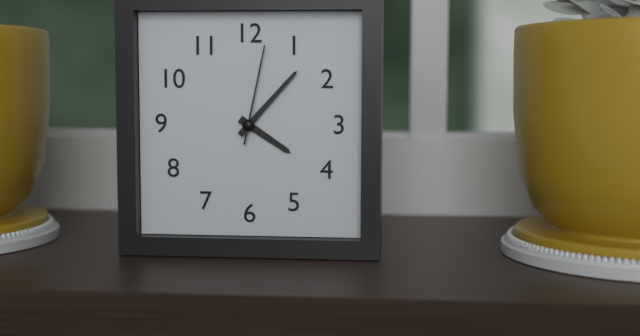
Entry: 4:07:02
